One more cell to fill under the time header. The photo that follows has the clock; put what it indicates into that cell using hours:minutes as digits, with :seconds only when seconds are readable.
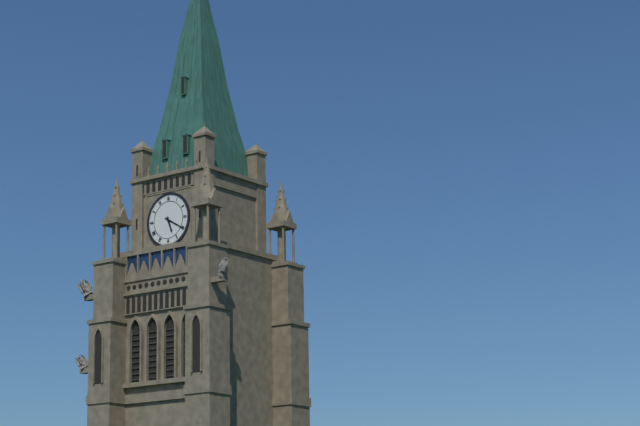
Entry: 5:20
